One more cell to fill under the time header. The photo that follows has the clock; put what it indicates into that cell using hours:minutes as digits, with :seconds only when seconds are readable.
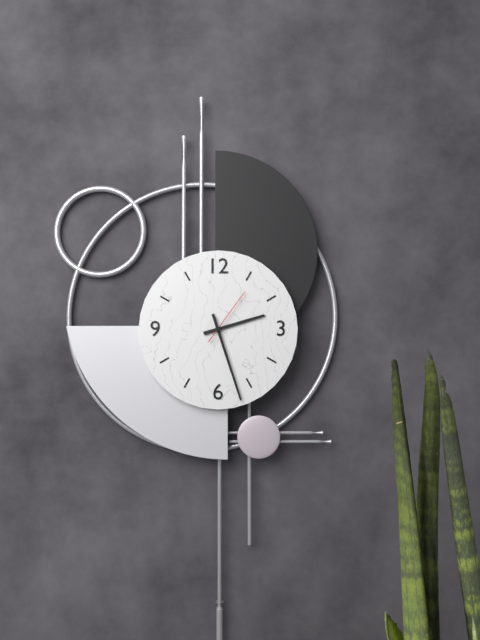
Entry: 2:27:06
